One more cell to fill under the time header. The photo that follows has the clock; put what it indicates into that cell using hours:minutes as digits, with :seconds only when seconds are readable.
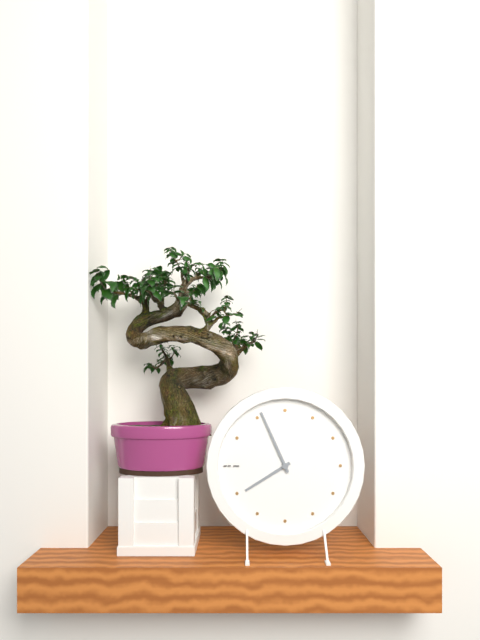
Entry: 7:56
